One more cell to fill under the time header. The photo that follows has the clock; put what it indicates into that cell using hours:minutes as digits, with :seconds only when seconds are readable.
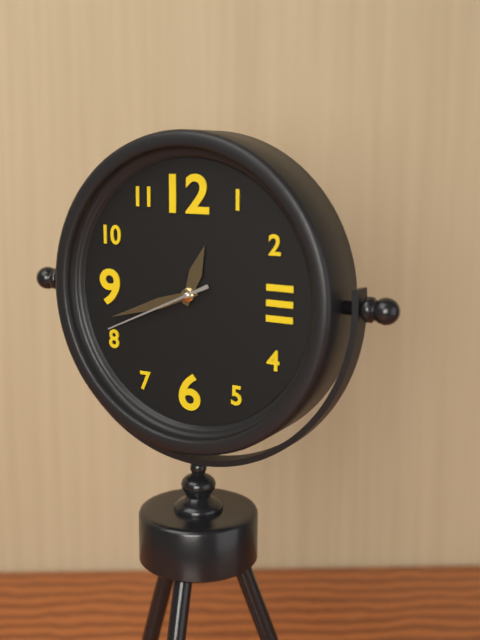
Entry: 12:42:41
